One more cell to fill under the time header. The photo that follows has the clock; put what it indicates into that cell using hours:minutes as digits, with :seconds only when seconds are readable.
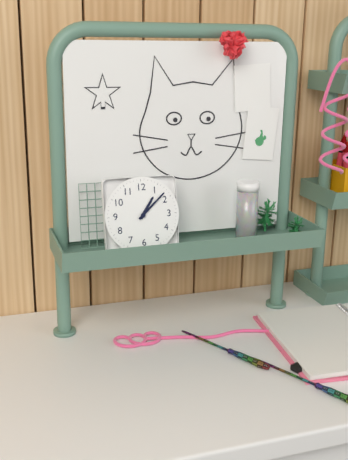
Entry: 1:08
